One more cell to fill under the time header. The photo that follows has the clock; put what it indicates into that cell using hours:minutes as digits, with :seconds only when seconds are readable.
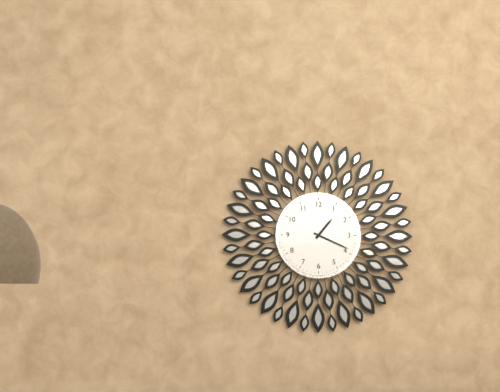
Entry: 1:19
